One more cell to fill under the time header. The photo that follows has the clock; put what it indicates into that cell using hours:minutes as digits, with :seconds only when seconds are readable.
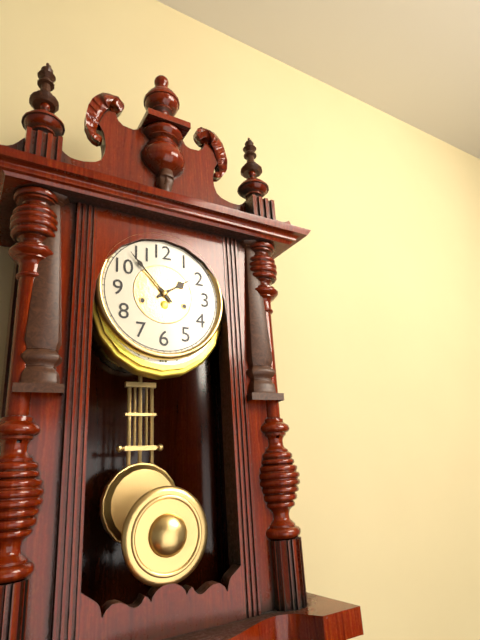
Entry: 1:53
